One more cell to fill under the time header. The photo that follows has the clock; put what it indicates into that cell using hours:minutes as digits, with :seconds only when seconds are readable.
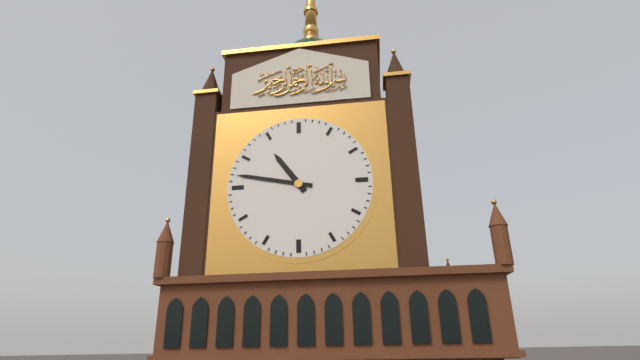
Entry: 10:47
